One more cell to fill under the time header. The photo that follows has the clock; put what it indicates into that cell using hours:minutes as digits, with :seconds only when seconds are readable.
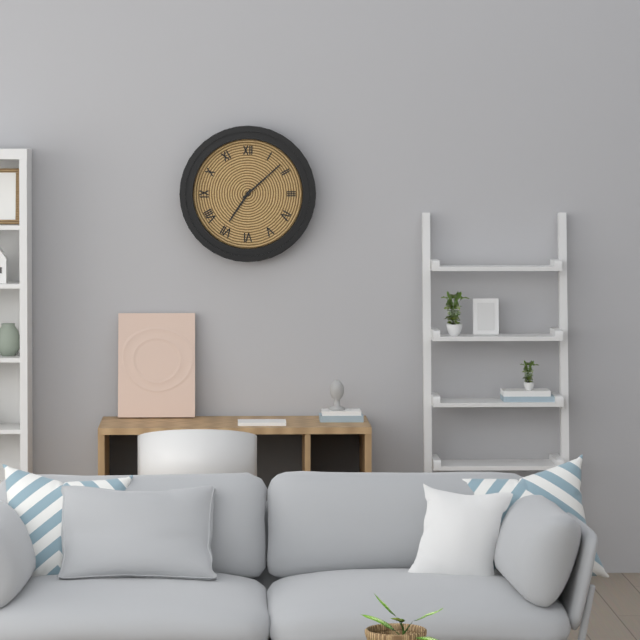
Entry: 7:08
